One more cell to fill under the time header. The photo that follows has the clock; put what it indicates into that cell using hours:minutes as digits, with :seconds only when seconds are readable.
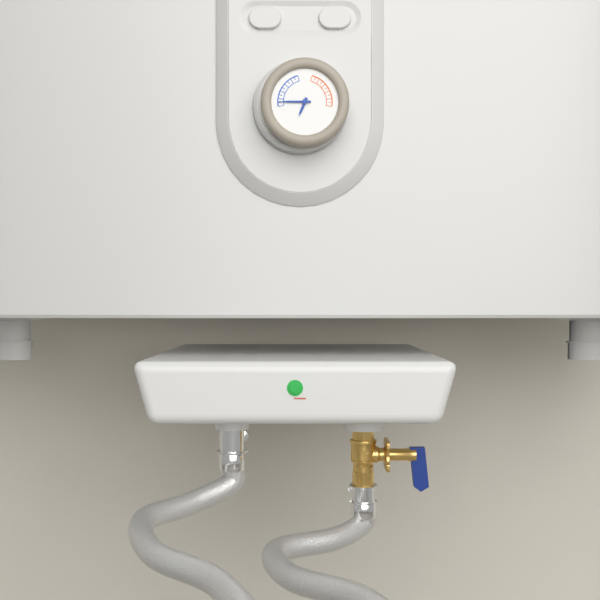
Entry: 6:45
